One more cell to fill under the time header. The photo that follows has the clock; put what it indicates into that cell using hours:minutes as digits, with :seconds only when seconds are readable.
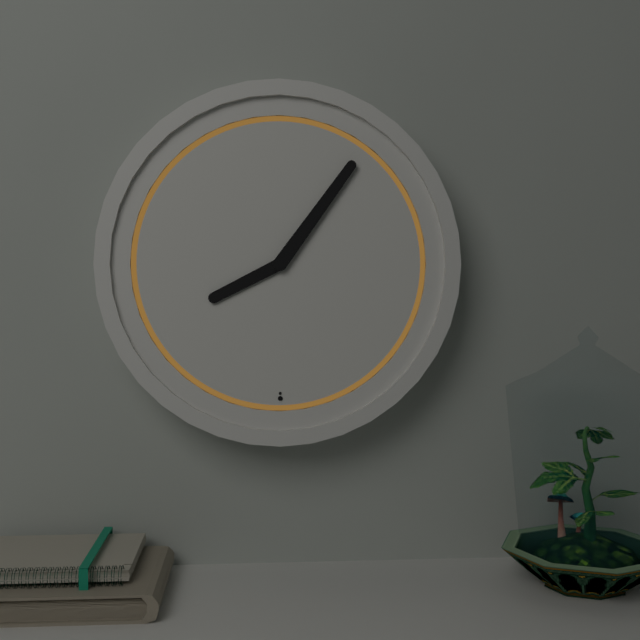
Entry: 8:06
